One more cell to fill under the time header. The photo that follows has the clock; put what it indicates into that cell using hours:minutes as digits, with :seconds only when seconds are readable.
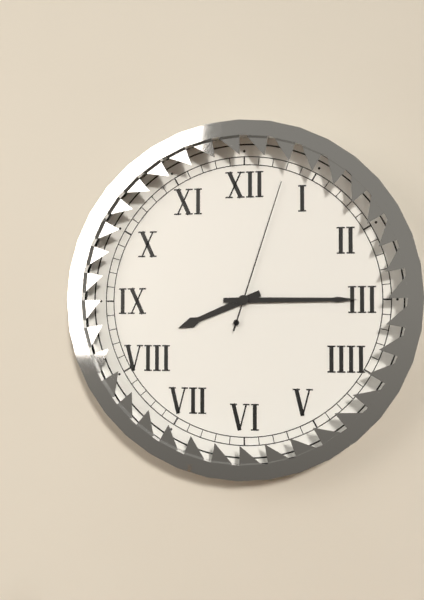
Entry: 8:15:03
